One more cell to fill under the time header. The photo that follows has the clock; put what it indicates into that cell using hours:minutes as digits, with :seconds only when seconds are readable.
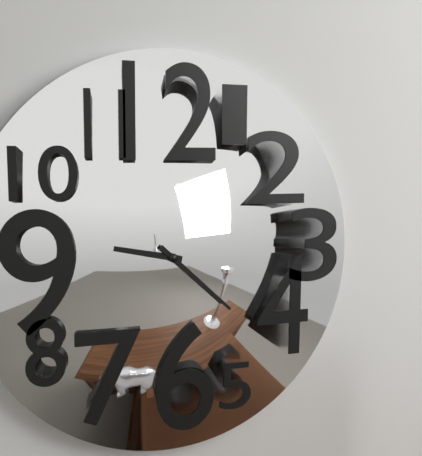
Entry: 9:22
